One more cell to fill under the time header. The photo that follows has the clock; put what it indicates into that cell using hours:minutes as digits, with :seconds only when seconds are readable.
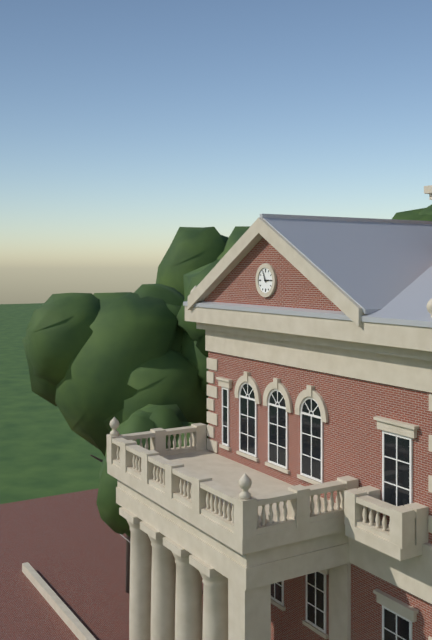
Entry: 2:56
